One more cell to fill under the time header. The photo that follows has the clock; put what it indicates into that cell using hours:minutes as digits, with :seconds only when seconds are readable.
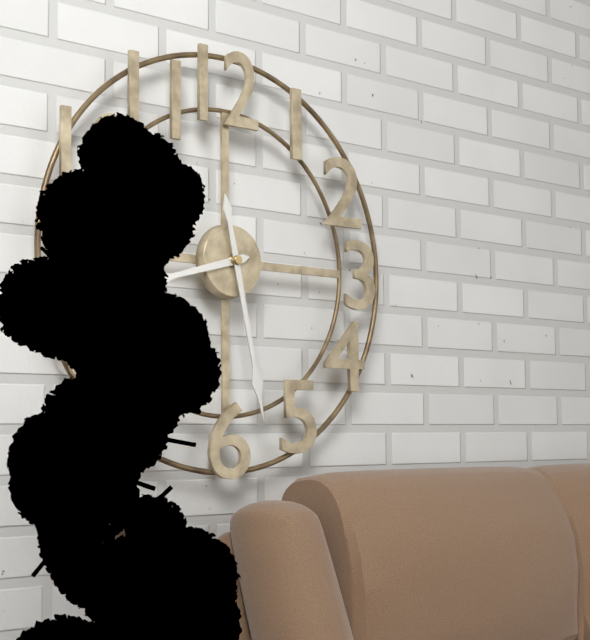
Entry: 8:28
